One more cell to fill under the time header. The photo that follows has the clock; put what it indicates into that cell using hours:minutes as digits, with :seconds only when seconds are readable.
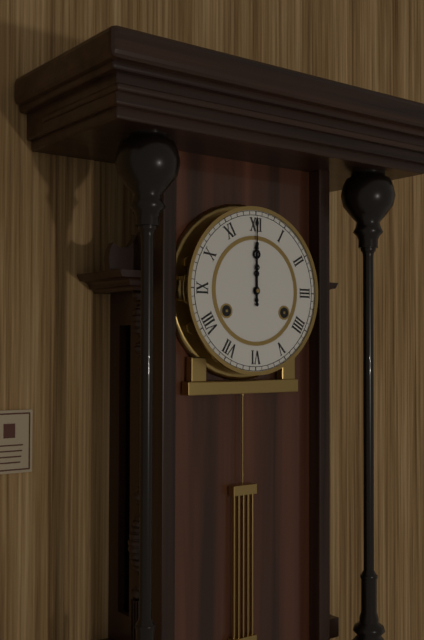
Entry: 12:00
